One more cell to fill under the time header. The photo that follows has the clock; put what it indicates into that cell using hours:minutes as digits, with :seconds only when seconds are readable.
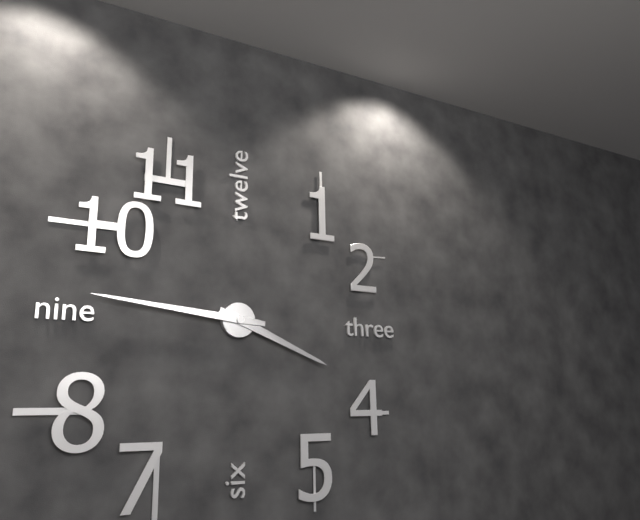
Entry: 3:46
